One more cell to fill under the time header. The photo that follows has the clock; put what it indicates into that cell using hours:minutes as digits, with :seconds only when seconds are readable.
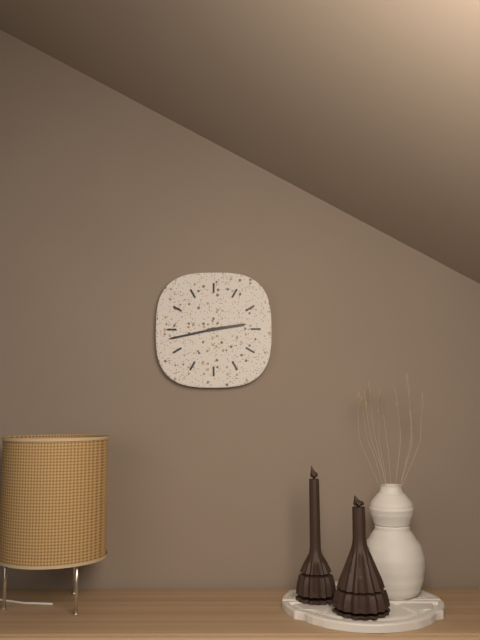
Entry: 2:43
